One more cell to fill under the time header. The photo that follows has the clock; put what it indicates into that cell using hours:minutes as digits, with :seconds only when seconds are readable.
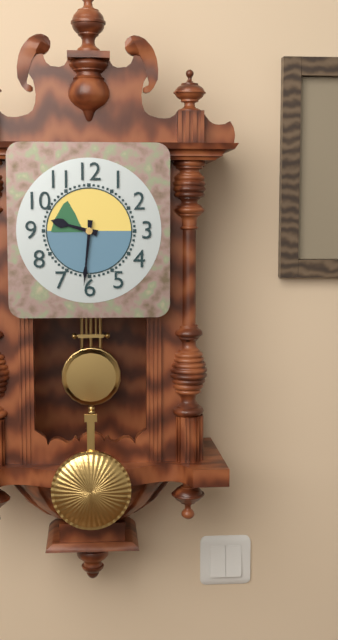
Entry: 9:31
